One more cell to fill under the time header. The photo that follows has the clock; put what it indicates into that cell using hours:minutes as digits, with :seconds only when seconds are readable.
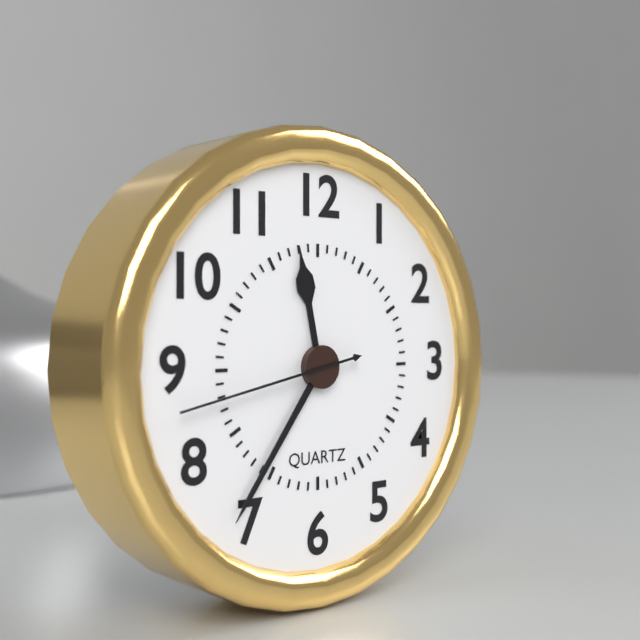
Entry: 11:36:43
